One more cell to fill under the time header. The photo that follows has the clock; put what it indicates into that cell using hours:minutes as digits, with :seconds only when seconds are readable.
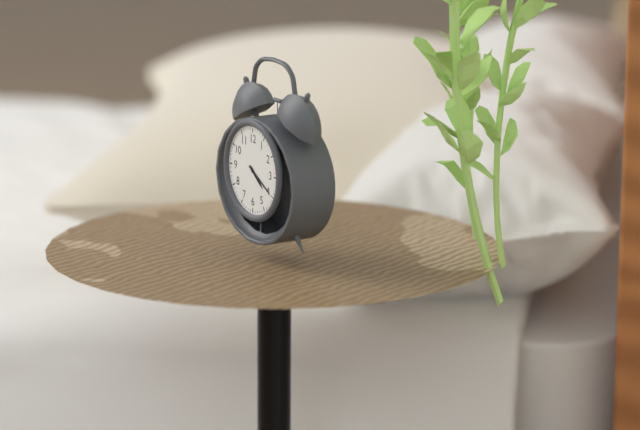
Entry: 4:20
